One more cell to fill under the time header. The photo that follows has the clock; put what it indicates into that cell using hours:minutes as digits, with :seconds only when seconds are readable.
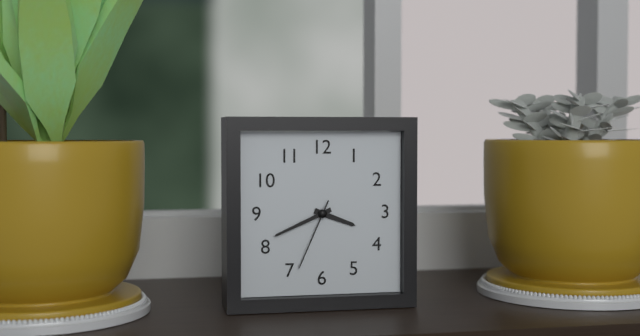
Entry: 3:41:34
